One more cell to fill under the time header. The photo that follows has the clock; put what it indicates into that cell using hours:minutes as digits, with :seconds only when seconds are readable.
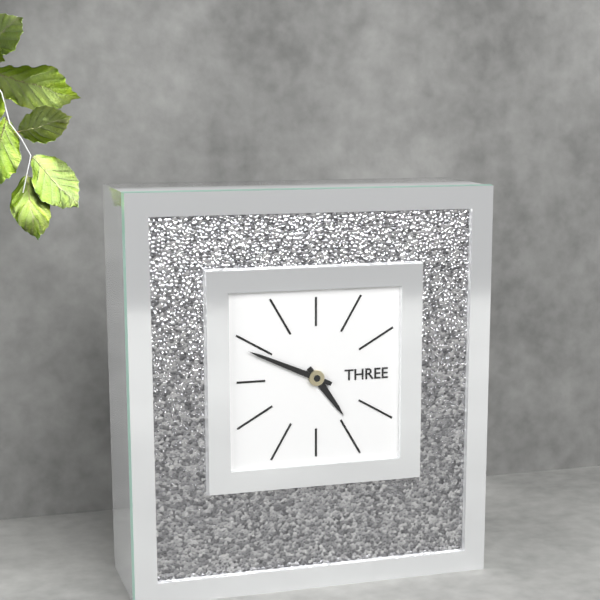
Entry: 4:49
